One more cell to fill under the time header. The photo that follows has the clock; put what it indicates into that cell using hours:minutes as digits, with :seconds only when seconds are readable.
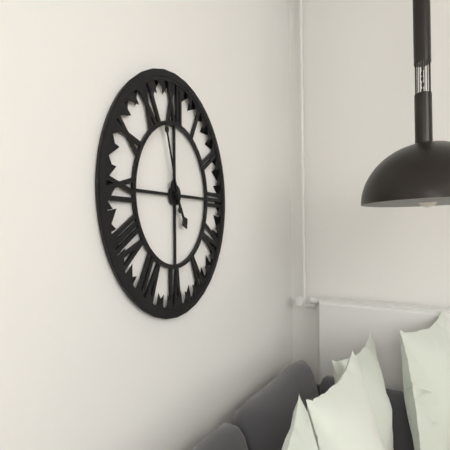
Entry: 4:57
